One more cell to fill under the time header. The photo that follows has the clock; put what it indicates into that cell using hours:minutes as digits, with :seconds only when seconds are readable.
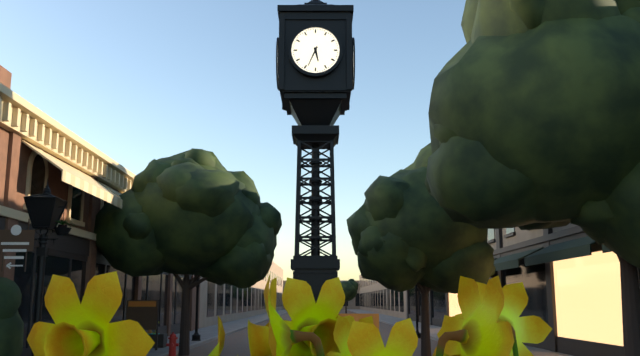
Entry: 5:34
